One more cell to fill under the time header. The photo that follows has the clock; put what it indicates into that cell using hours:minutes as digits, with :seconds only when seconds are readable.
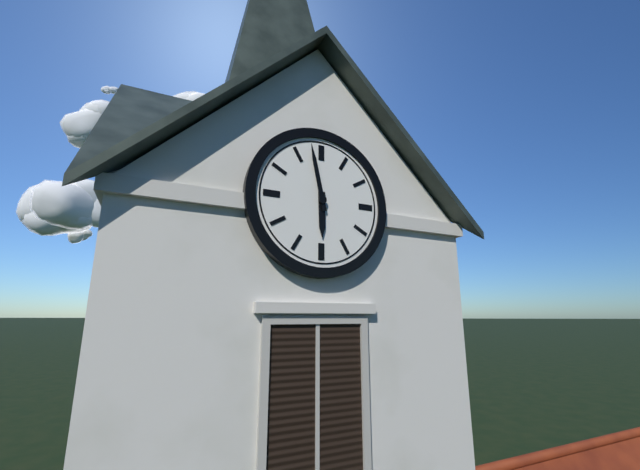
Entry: 5:58
